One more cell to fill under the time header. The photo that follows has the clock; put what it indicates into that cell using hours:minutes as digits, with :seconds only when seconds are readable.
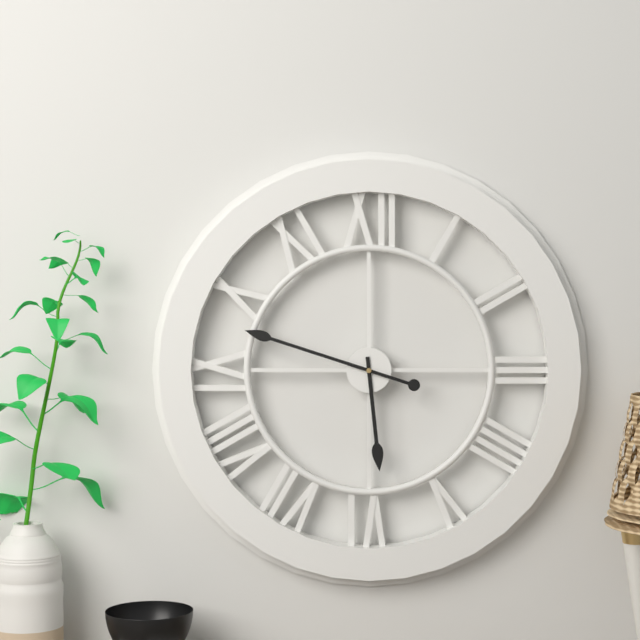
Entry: 5:48
